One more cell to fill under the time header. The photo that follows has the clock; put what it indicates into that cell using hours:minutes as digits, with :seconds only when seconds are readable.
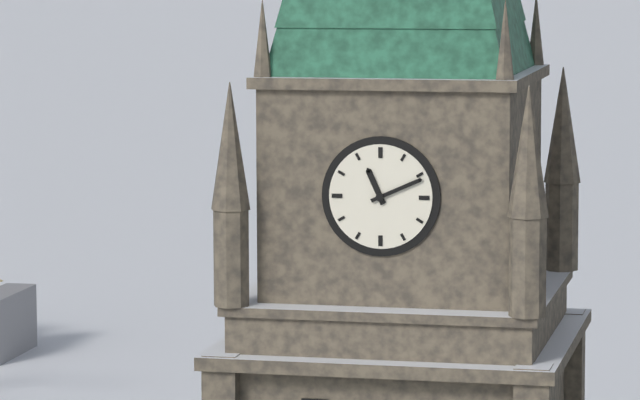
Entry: 11:11
